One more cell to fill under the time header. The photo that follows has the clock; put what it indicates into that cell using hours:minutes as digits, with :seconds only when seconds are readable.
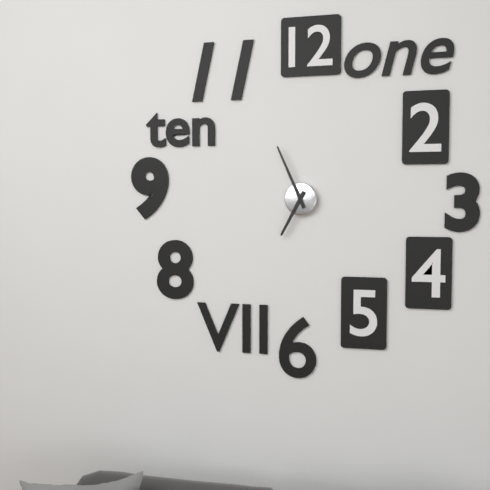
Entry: 6:56
